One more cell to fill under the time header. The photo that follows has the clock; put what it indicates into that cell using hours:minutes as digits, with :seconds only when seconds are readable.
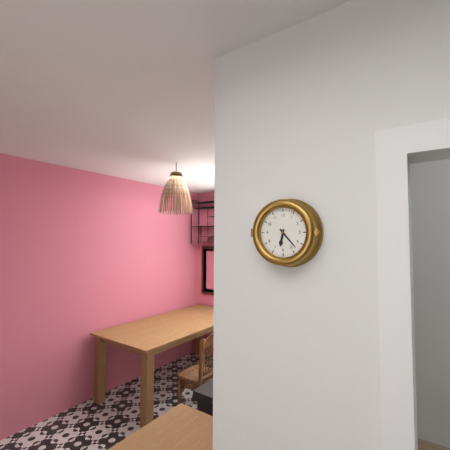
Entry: 6:23
